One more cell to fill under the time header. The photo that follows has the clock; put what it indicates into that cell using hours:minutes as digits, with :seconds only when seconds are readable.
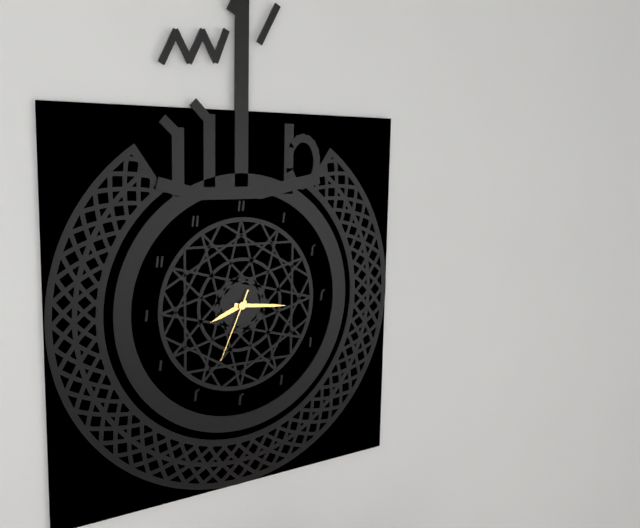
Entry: 8:16:34
